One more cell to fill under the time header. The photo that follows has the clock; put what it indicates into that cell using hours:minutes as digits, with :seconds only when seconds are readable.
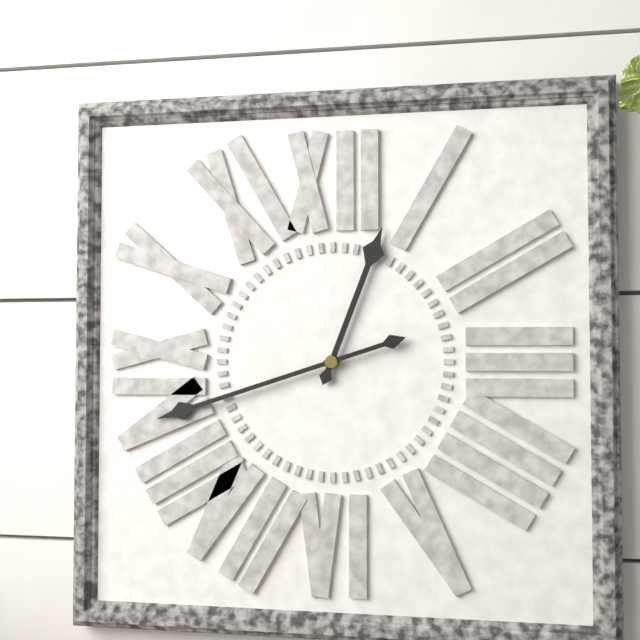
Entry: 12:42
